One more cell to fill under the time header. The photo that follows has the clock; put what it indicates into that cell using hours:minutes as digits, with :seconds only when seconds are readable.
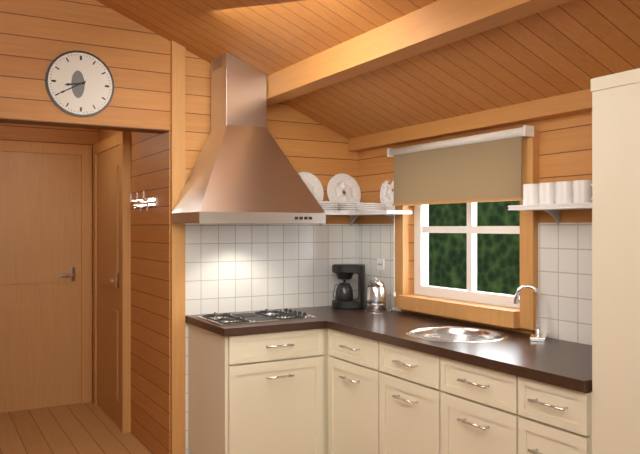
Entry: 8:40
